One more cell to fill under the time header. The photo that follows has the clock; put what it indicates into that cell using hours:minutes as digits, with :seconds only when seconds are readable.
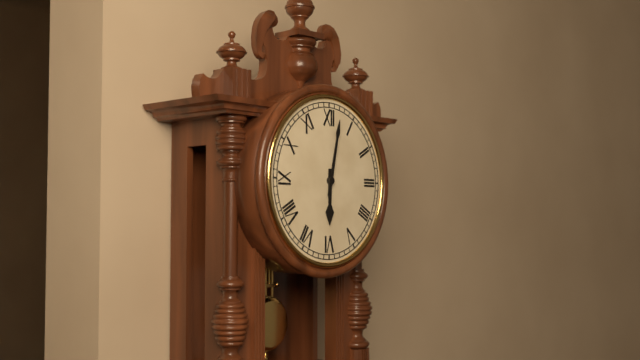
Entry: 6:02
